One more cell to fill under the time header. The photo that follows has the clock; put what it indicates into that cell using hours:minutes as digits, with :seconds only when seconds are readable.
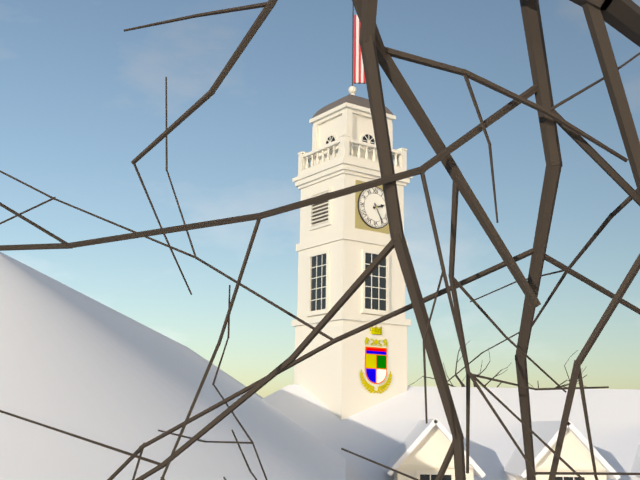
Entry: 2:25
